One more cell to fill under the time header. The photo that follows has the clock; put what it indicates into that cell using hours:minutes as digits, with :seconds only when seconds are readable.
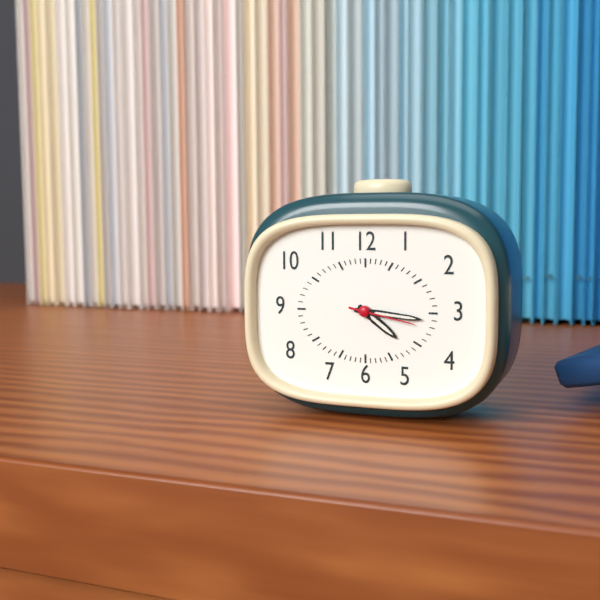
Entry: 4:16:17
